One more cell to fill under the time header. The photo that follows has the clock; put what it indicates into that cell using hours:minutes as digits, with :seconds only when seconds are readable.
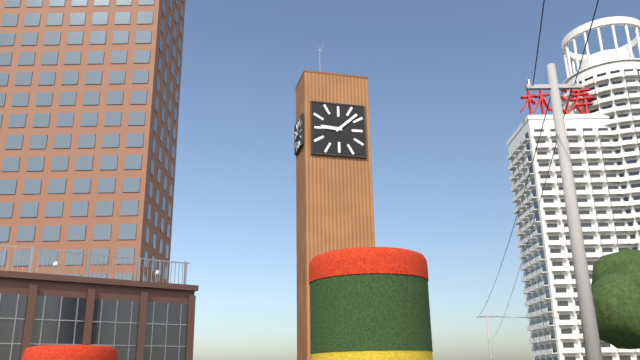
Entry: 9:08
